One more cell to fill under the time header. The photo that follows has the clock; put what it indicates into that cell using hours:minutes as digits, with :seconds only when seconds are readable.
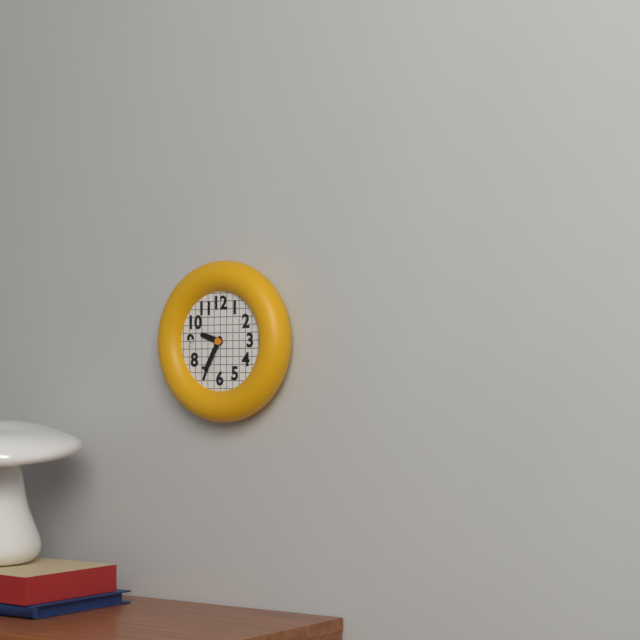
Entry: 9:35
